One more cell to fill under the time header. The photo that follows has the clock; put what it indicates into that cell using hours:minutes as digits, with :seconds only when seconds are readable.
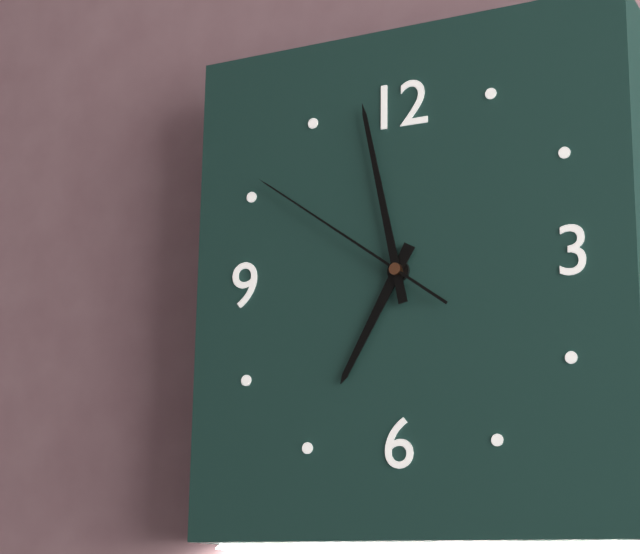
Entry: 6:58:51
